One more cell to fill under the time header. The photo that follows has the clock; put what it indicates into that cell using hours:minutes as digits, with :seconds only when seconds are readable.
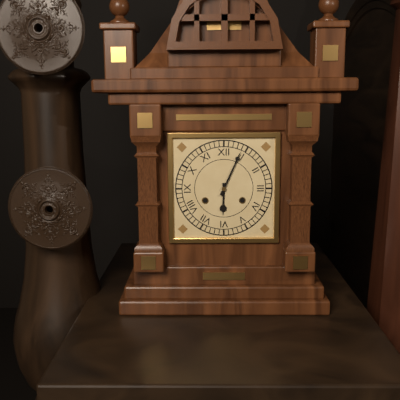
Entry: 6:04
